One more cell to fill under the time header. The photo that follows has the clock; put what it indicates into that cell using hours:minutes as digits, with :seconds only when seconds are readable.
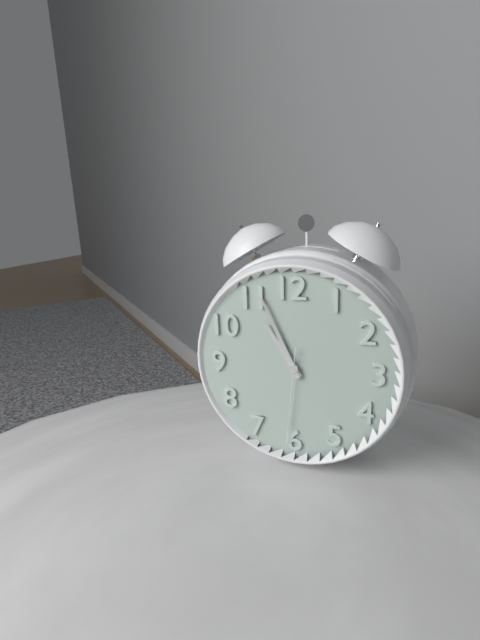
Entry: 10:56:31
